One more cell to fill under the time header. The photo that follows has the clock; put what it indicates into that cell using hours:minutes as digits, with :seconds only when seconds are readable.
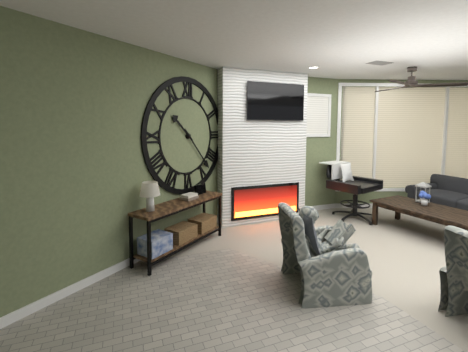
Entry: 10:23
